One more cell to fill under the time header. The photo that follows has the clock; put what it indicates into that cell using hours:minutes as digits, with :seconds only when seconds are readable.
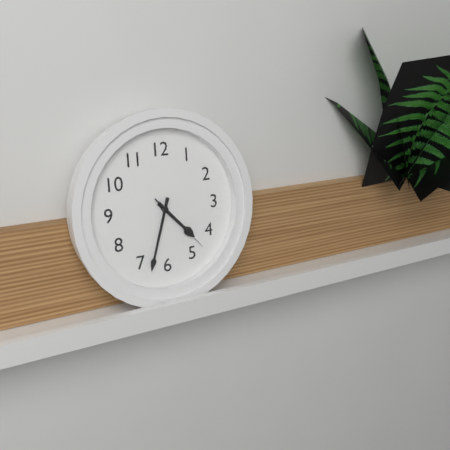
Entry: 4:33:23
